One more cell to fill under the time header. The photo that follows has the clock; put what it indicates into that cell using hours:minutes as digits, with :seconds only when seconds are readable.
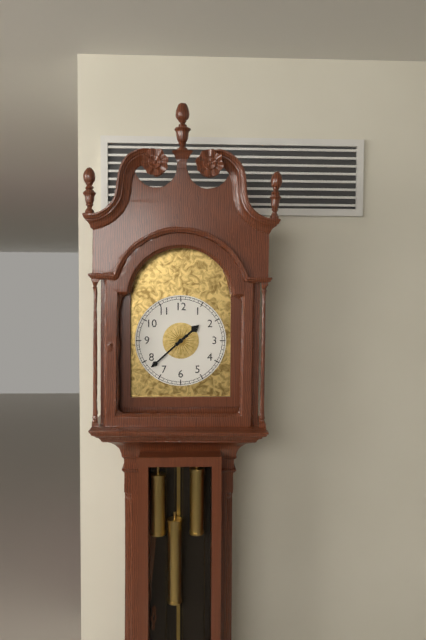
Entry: 1:38
